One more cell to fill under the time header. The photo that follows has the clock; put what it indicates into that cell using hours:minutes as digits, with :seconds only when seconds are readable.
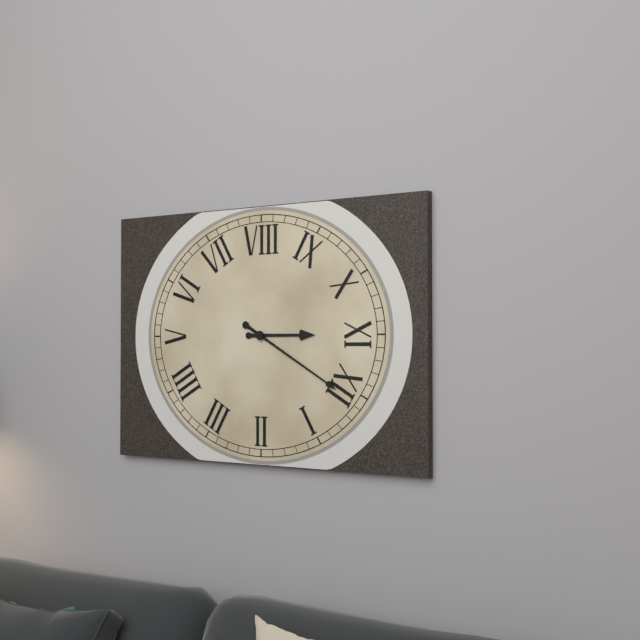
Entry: 11:00
